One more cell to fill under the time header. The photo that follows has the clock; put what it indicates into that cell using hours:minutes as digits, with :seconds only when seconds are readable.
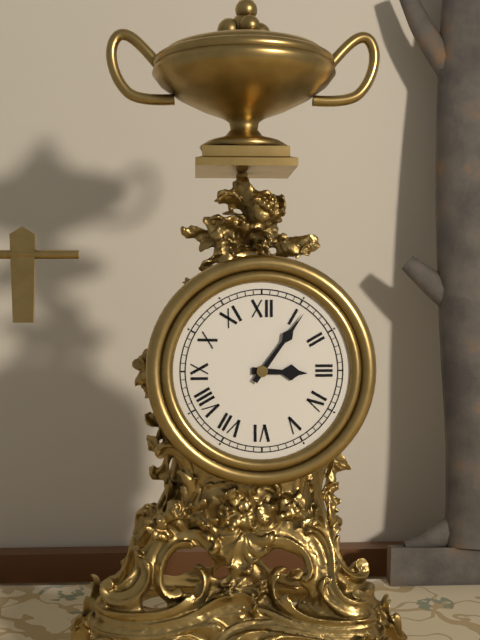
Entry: 3:06
